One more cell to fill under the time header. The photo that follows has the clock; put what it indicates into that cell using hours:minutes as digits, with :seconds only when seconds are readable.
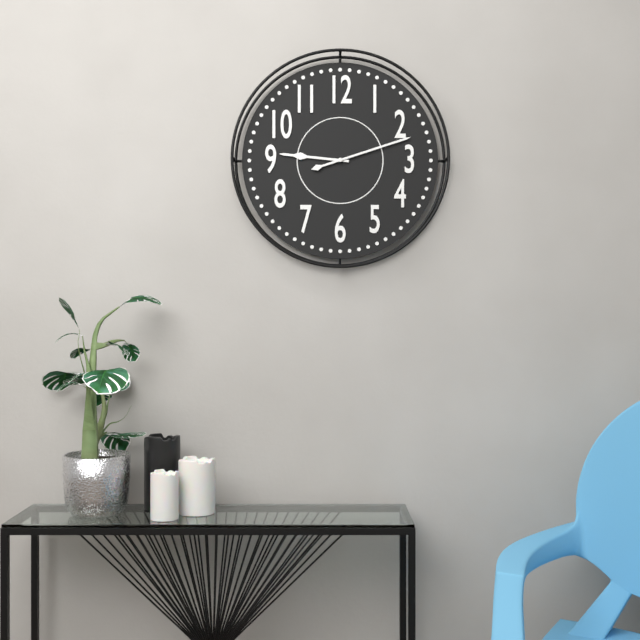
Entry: 9:12
